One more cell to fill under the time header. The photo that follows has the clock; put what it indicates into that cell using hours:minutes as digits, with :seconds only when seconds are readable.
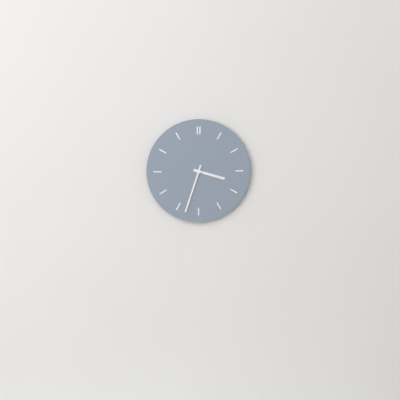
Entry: 3:33
